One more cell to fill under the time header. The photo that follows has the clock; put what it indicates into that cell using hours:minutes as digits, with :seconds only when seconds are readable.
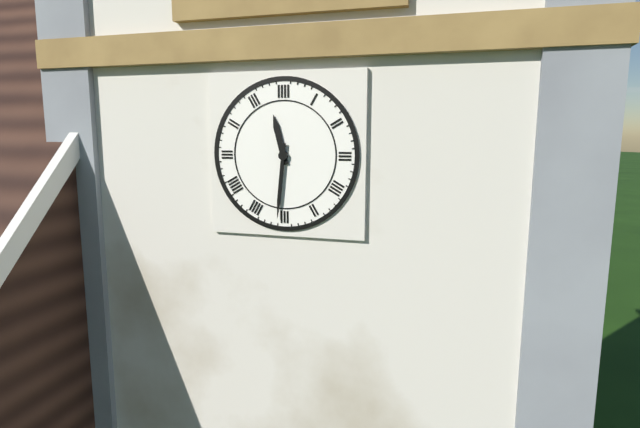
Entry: 11:31
